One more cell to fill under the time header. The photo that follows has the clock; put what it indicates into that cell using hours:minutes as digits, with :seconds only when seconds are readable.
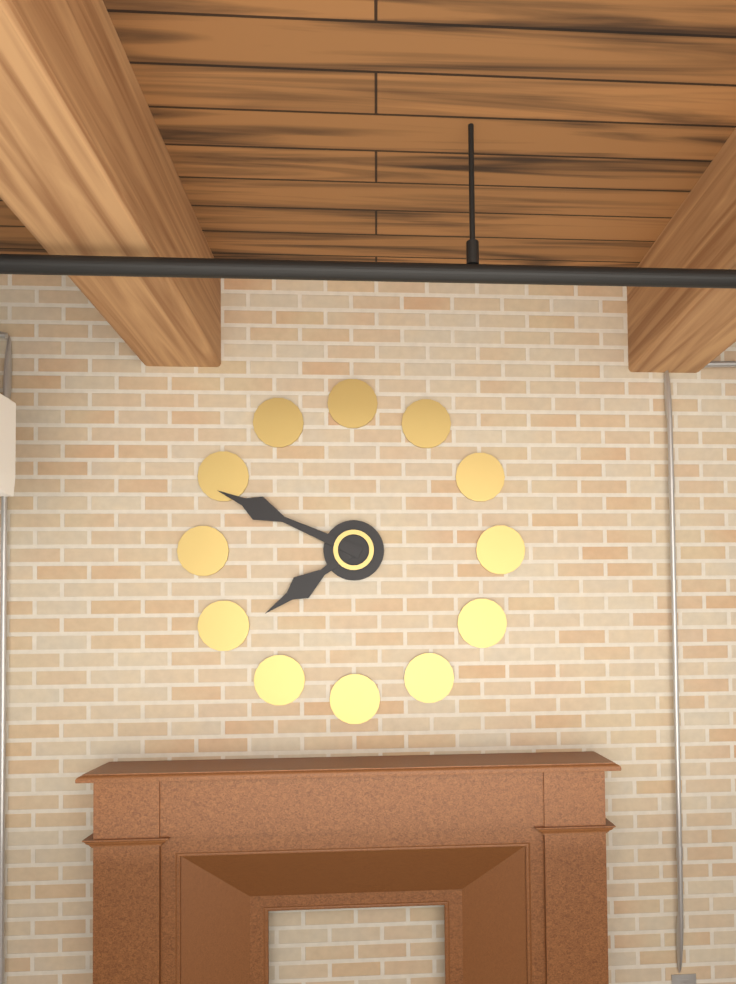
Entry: 7:49
